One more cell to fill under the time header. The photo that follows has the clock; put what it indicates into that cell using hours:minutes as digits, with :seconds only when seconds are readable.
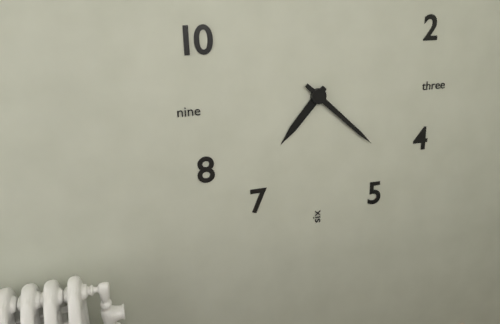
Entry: 7:22
